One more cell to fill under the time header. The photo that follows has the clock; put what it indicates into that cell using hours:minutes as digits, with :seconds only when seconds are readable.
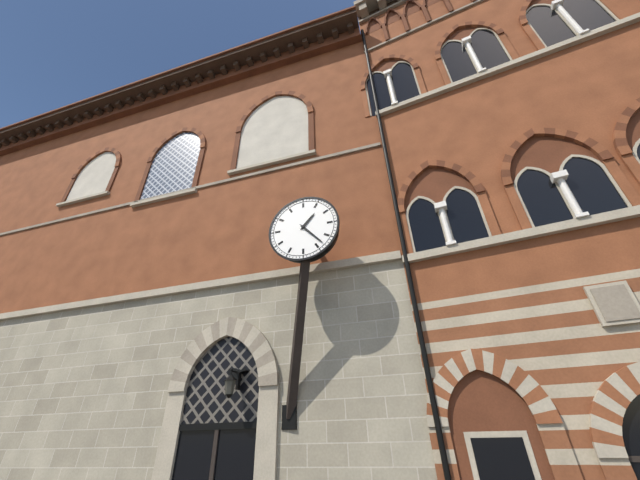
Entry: 1:23
